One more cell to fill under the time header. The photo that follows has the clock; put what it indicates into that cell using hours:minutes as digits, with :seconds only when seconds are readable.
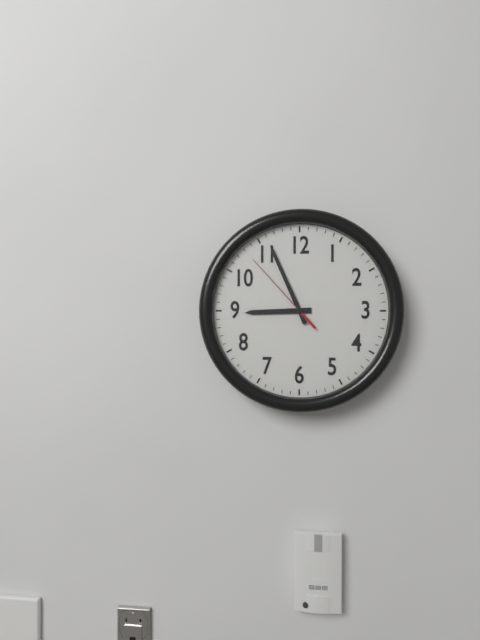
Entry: 8:56:53
